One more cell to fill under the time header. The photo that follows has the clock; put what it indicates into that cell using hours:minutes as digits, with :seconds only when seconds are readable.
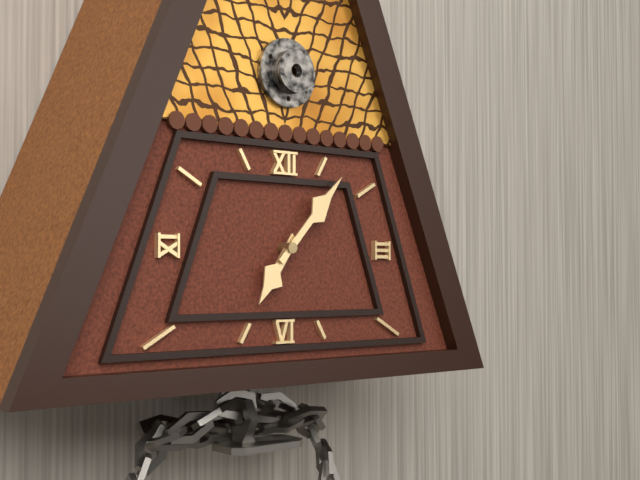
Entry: 7:07
